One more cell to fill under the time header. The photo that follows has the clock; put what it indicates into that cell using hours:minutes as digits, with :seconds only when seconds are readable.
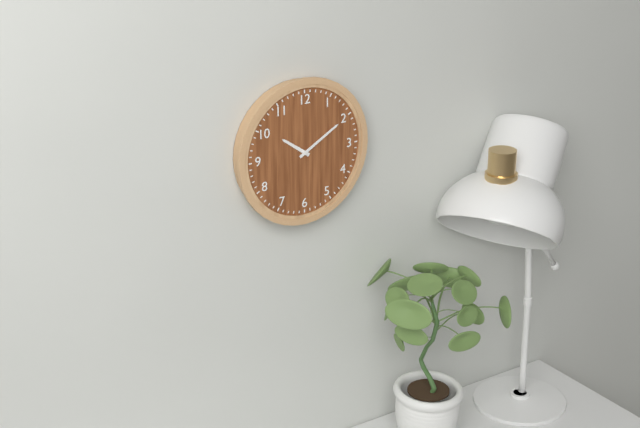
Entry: 10:10
